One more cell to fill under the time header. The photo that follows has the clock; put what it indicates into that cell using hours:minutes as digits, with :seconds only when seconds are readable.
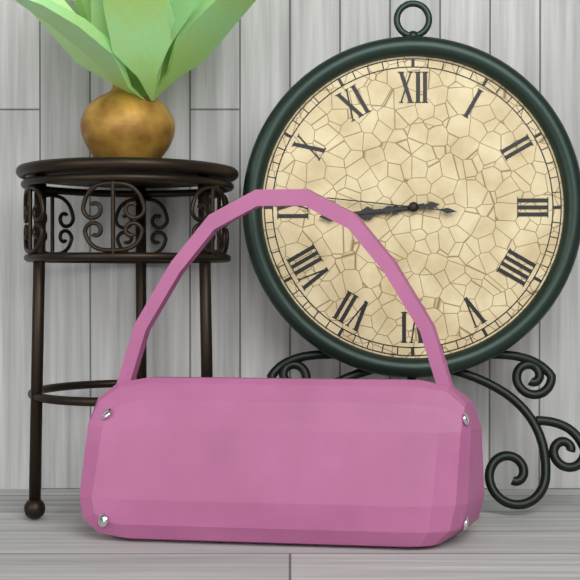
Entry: 8:44:46
